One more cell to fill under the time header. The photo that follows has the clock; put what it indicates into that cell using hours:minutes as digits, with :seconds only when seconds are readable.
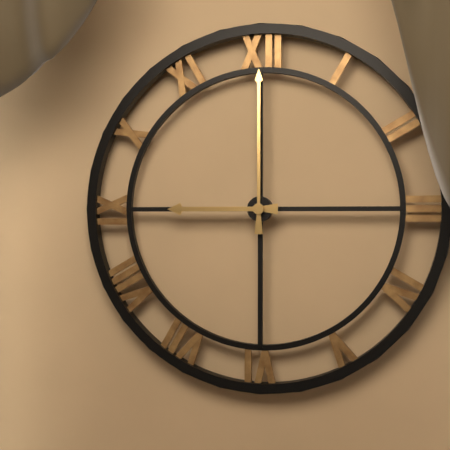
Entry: 9:00
